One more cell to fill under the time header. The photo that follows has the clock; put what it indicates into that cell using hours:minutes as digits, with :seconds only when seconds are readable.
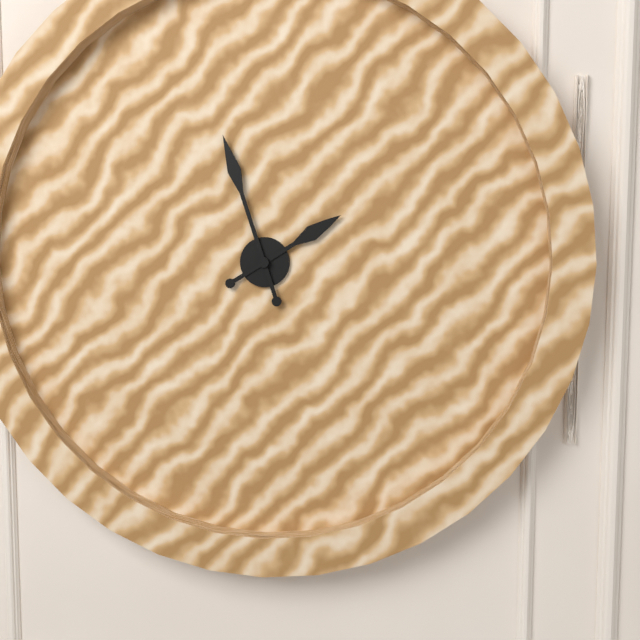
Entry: 1:57
